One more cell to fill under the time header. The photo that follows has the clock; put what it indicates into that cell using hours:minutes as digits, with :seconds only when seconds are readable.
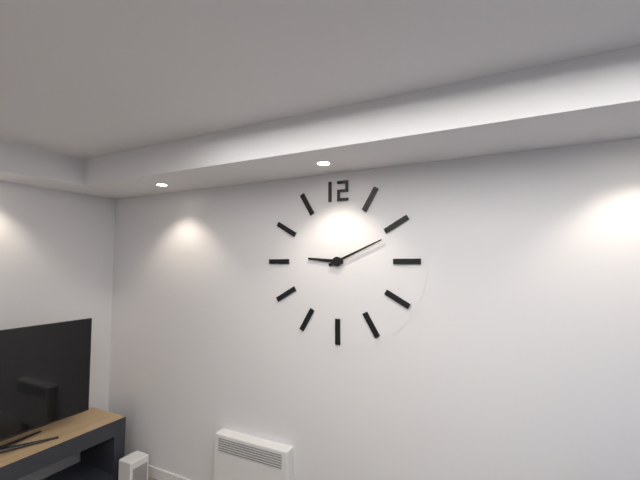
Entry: 9:11
